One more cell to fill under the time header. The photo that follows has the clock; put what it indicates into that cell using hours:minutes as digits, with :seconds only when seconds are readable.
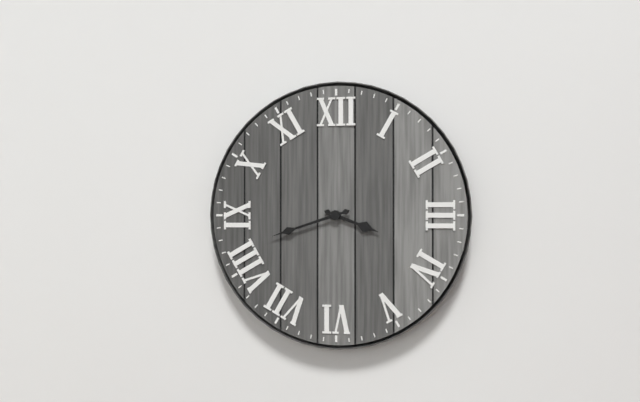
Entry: 3:42
